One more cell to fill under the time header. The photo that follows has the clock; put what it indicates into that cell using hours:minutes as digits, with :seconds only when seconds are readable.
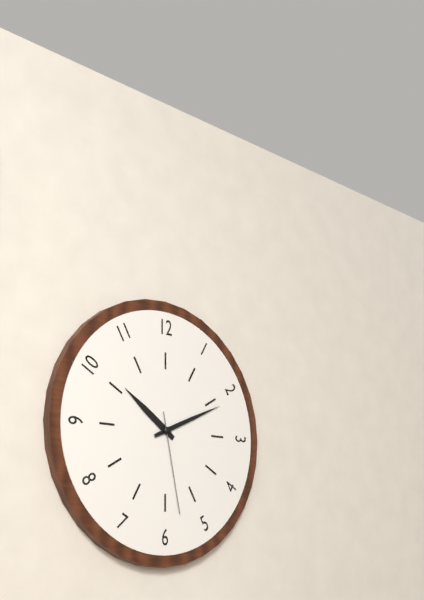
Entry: 10:11:28
